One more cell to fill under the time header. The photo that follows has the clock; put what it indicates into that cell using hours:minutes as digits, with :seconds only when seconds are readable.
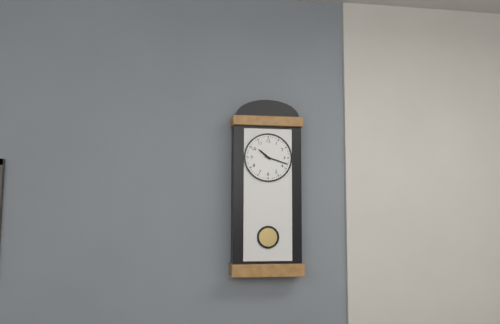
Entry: 10:18
